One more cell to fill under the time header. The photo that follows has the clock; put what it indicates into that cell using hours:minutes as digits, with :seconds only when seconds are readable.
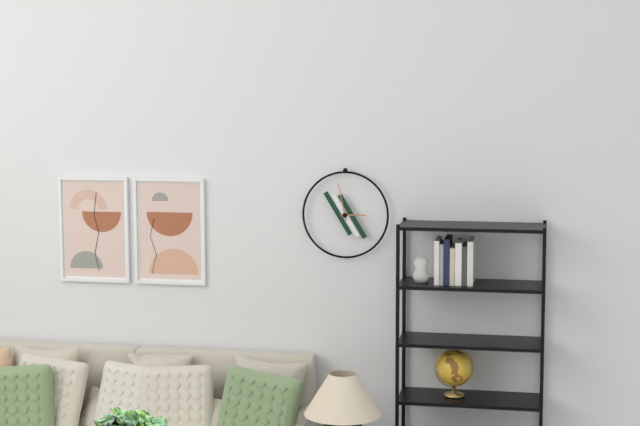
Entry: 2:58
